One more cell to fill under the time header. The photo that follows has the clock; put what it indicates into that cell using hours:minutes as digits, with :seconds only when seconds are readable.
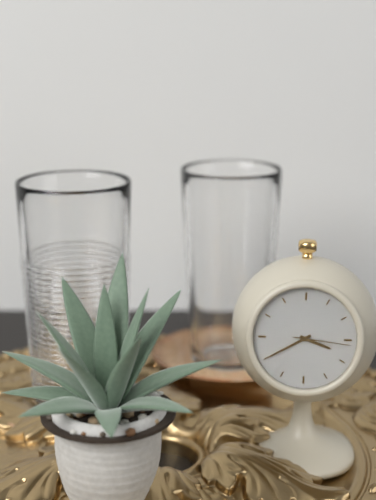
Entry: 3:40:16
